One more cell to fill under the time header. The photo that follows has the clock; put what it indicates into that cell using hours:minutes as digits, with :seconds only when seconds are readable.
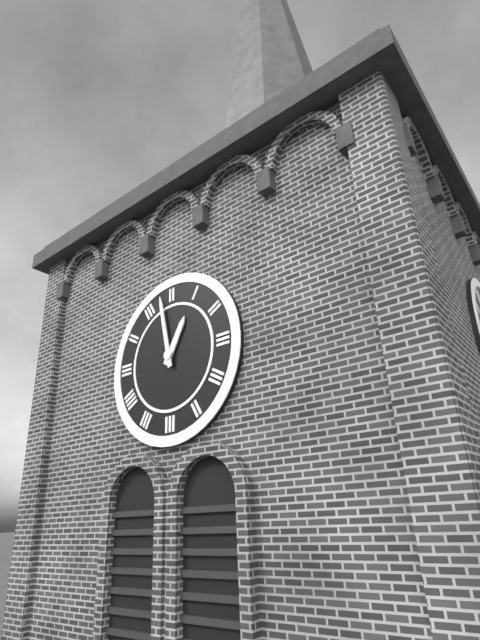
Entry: 12:58
